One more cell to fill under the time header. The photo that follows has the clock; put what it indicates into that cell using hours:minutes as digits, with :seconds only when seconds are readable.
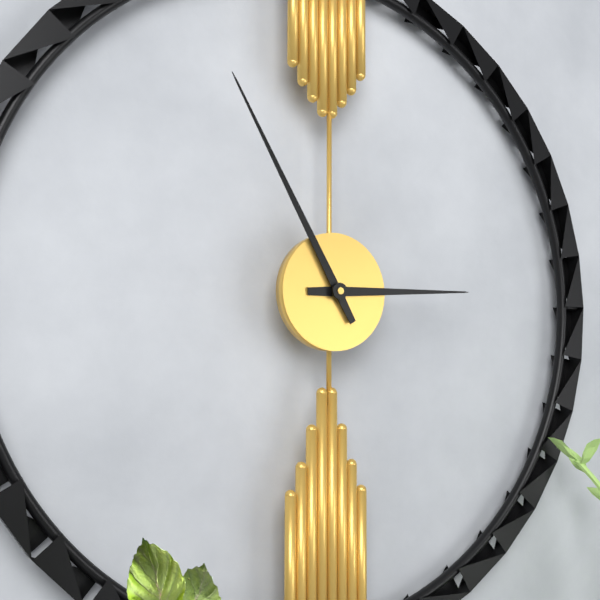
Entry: 2:55
